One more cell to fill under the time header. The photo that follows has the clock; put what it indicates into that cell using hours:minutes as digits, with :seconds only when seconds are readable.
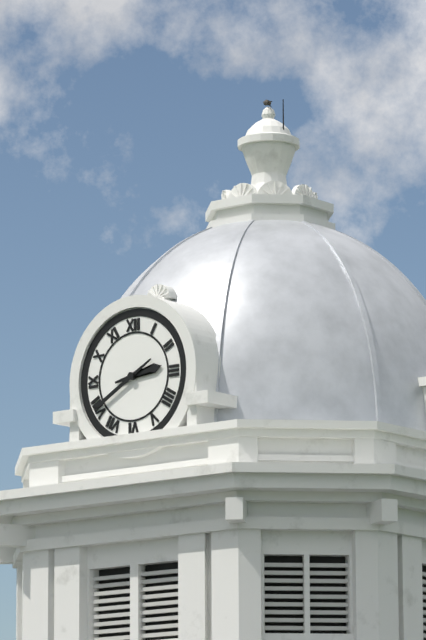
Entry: 2:40
